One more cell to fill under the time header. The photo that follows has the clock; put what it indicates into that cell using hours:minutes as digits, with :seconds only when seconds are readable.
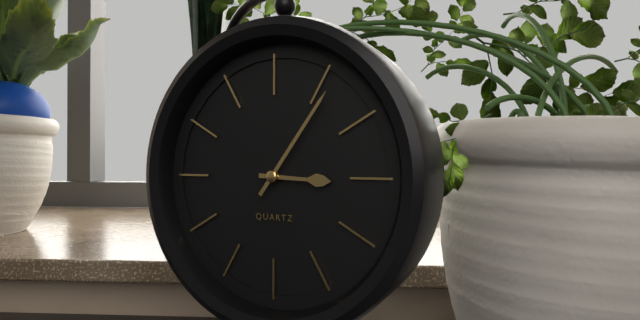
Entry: 3:06
